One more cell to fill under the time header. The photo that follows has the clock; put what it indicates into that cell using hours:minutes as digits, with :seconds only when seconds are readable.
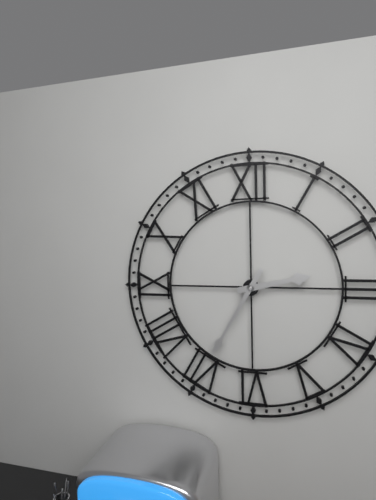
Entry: 2:35
